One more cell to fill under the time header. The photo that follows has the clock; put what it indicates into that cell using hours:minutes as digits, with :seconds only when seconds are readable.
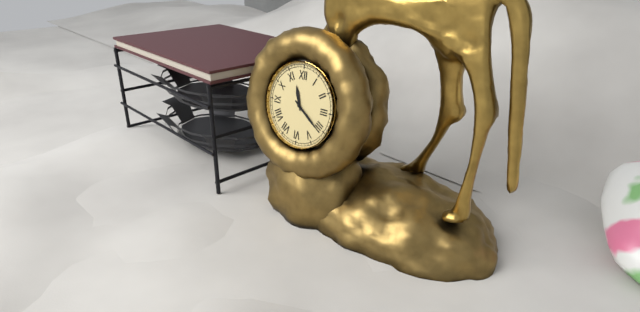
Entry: 11:21
